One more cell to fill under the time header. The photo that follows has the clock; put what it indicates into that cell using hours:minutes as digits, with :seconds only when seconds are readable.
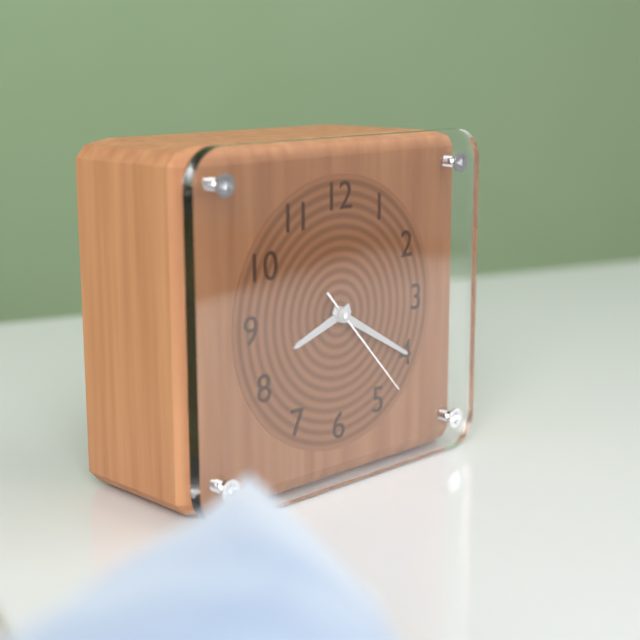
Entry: 8:20:23
